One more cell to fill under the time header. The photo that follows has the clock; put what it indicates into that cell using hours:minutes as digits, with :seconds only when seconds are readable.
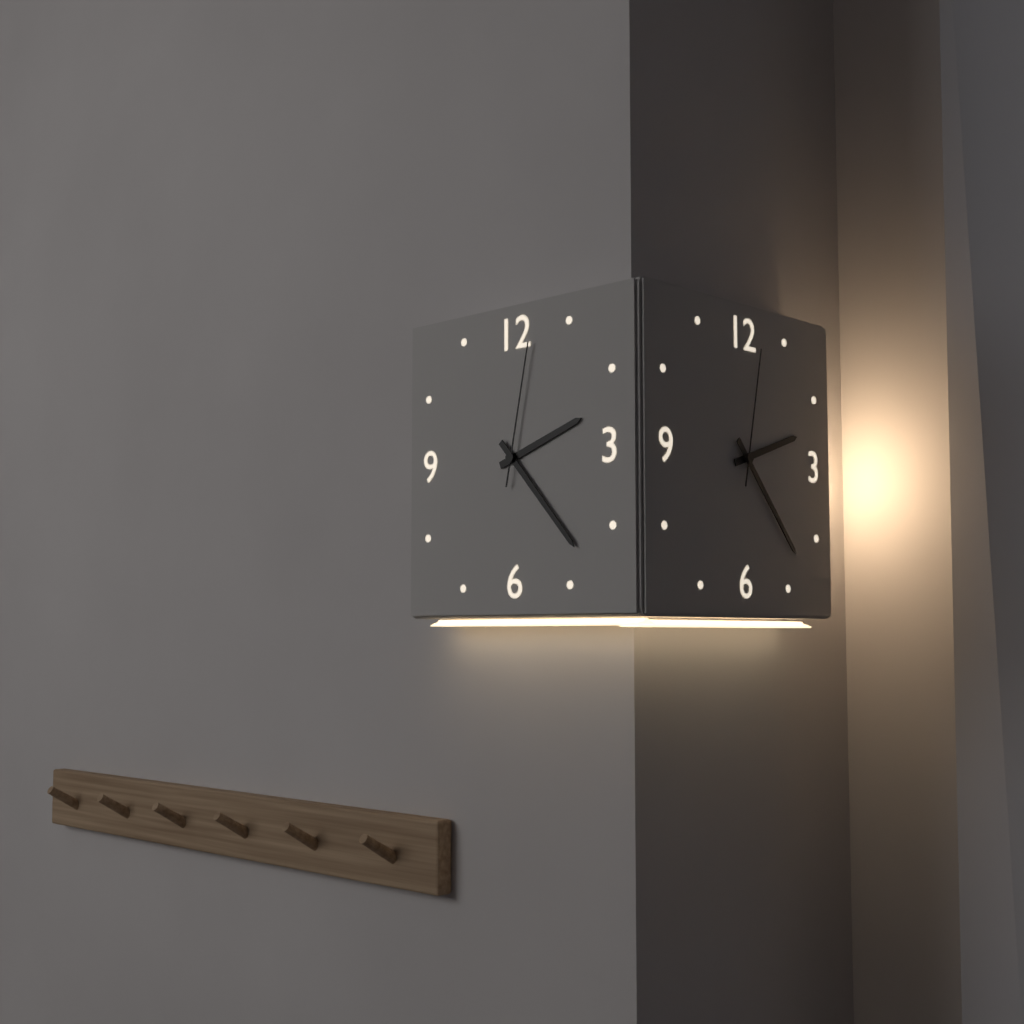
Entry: 2:23:02
